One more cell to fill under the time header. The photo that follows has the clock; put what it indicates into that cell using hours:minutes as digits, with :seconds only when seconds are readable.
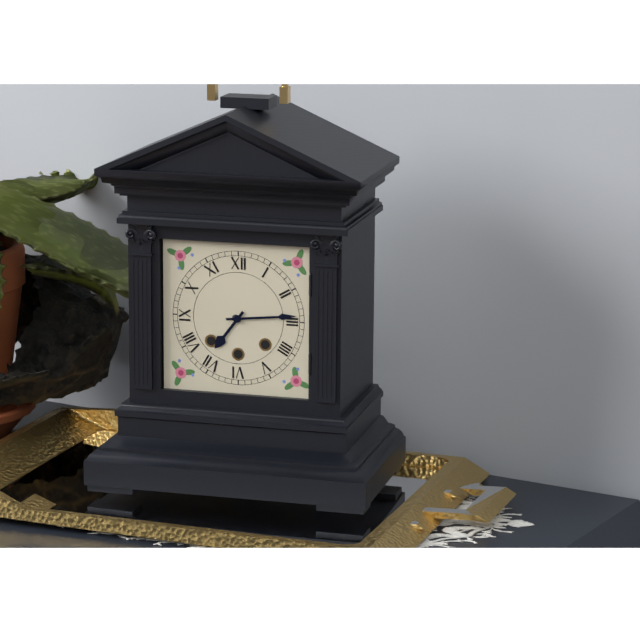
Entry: 7:14
